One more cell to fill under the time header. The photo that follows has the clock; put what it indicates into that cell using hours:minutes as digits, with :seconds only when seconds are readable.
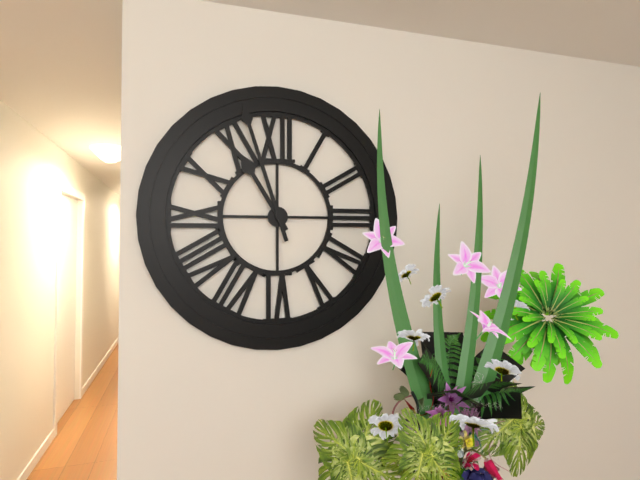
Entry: 10:57
